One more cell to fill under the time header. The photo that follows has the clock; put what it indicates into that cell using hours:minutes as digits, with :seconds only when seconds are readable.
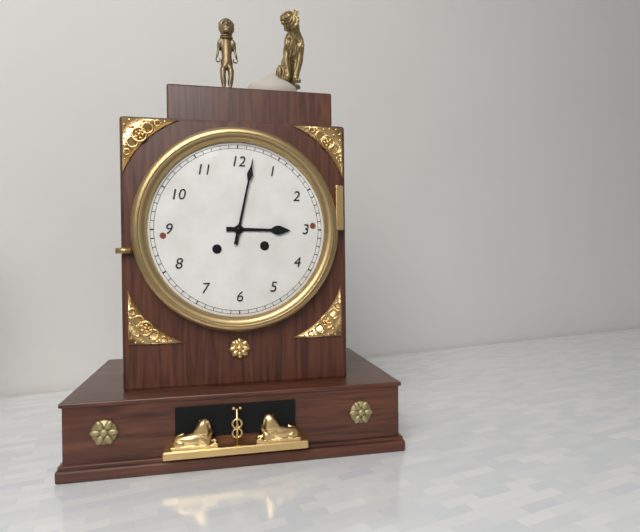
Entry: 3:02
